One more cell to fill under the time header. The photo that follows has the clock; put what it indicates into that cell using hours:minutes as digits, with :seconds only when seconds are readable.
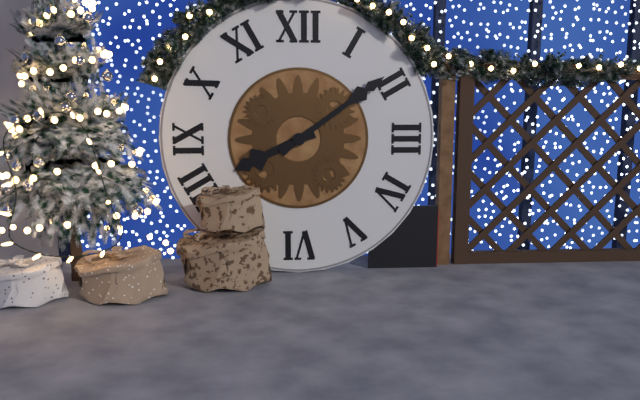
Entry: 8:09
